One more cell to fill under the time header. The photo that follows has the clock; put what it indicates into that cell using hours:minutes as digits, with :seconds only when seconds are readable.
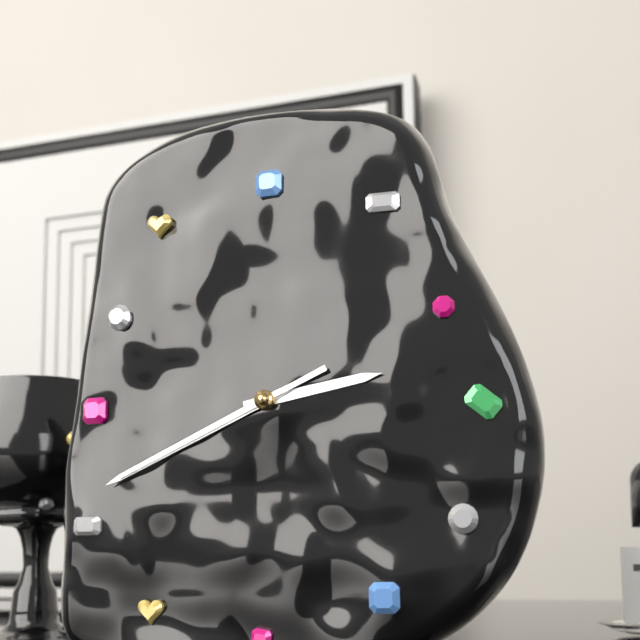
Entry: 2:41:41
